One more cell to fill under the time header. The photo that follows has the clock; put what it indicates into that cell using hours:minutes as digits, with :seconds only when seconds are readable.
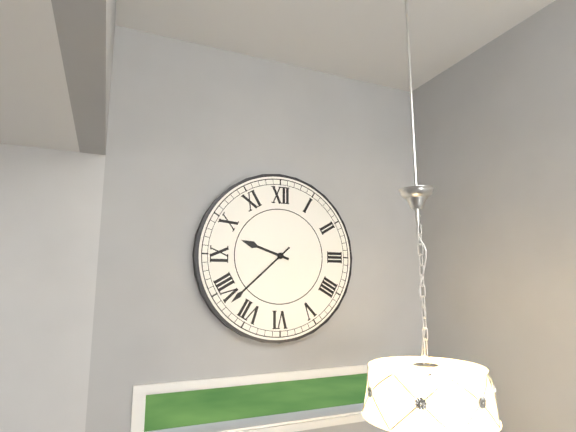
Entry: 9:38
